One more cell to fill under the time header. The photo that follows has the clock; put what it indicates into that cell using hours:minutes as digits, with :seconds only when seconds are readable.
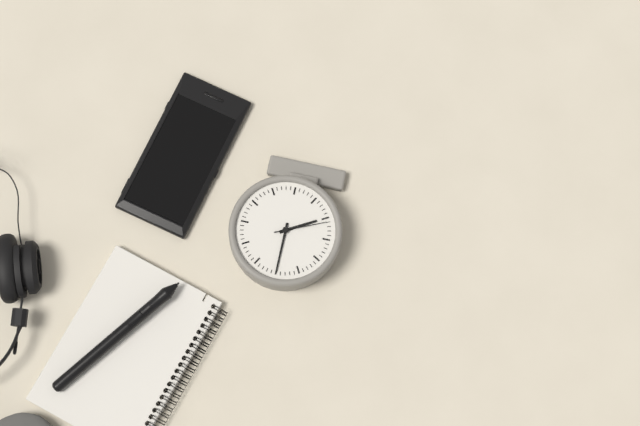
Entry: 8:00:41
